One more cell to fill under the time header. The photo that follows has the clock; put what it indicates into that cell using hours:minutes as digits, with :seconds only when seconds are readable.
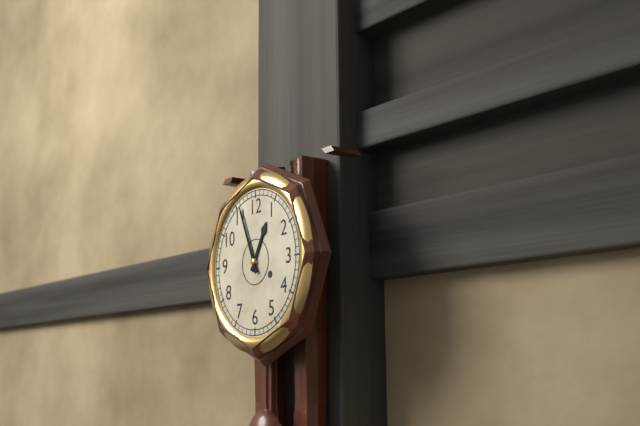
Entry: 12:56
